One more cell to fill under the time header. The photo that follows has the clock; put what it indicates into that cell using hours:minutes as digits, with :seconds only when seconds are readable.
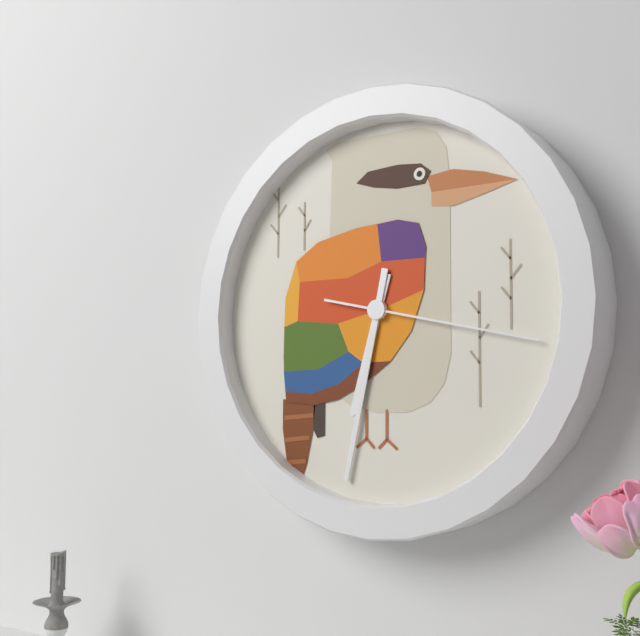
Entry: 6:32:17
